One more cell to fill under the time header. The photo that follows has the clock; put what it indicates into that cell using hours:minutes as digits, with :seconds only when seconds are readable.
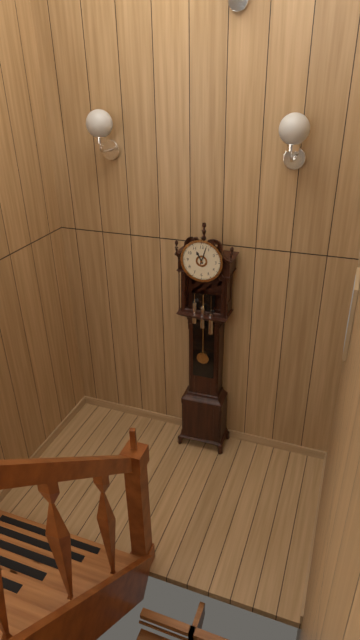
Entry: 11:03
